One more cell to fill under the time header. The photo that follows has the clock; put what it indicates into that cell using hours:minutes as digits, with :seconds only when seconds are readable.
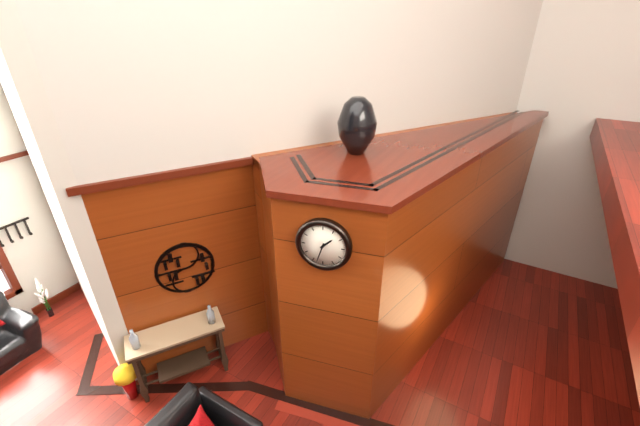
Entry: 1:33
